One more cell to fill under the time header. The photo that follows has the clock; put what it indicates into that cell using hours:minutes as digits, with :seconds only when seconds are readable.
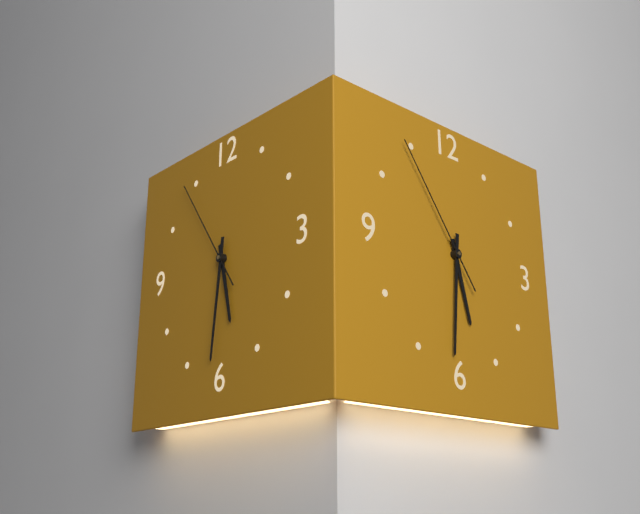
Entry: 5:31:54
